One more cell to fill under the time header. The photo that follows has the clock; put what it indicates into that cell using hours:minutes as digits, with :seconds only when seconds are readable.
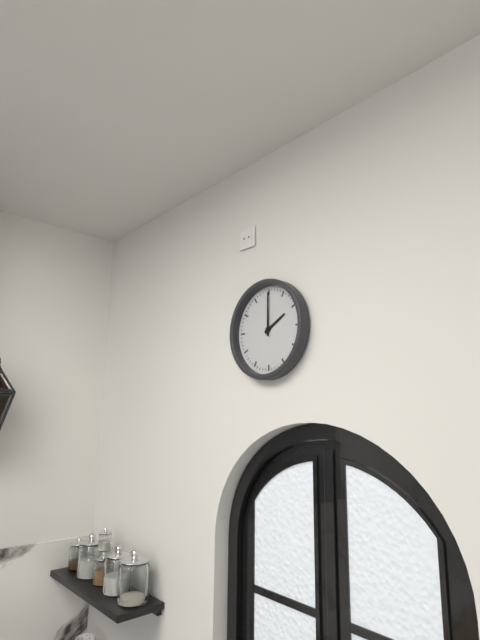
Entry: 2:00
